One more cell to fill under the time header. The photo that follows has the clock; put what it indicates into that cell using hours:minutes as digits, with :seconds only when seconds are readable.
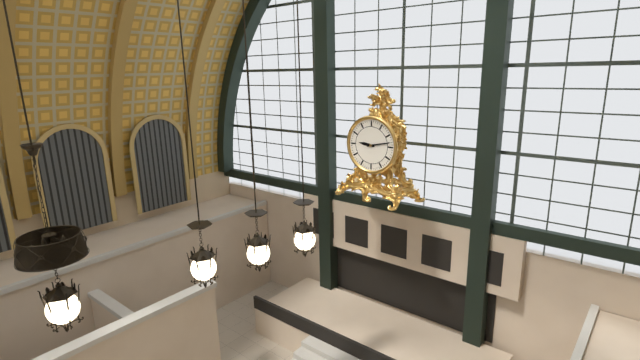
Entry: 9:13
